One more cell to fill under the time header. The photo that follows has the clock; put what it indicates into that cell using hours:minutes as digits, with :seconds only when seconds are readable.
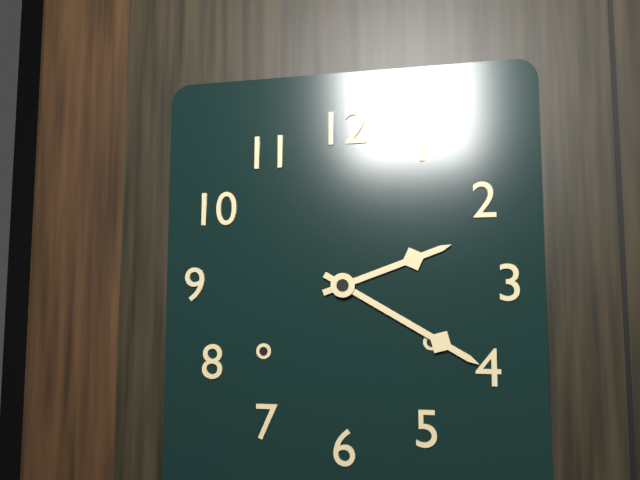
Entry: 2:20
